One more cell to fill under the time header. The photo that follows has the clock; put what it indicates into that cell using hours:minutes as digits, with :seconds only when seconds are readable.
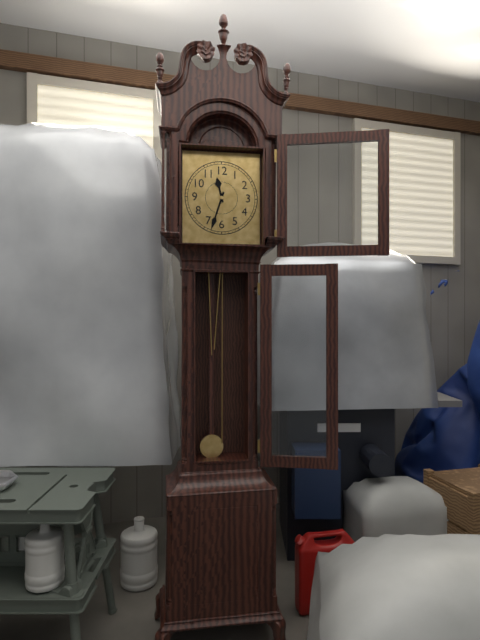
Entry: 11:33
